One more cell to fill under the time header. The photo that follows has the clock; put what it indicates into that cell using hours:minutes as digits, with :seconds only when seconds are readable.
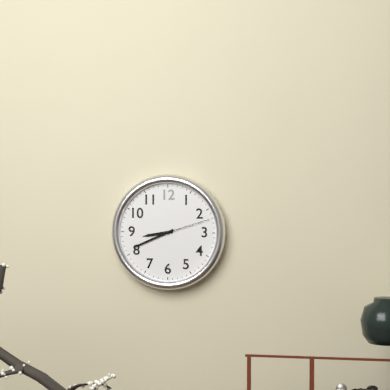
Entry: 8:41:12
